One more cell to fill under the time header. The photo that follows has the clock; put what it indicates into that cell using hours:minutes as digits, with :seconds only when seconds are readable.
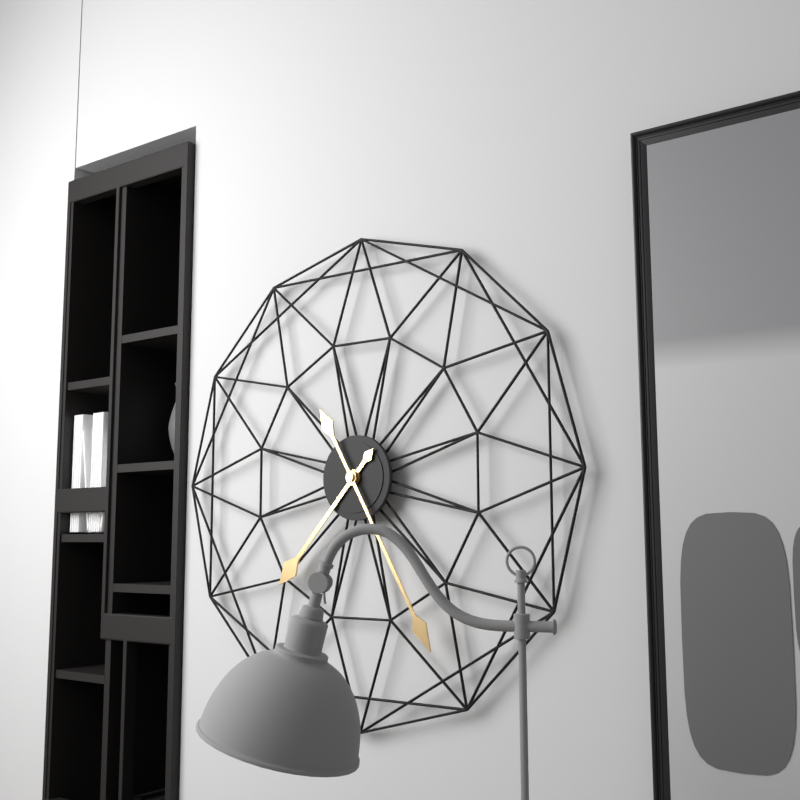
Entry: 7:25
